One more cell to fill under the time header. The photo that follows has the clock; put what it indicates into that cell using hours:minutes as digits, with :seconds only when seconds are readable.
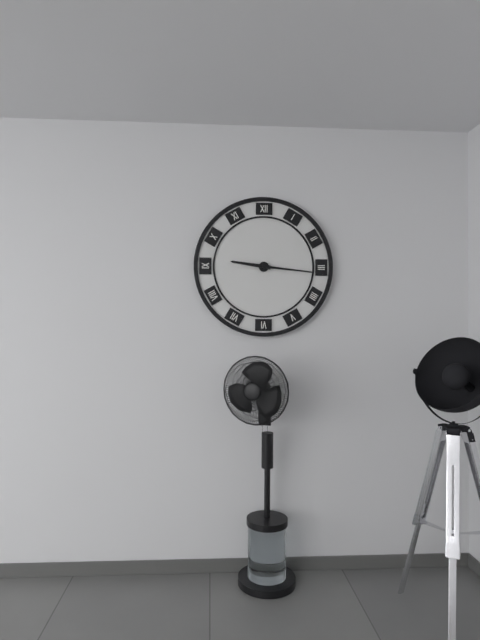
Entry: 9:16
